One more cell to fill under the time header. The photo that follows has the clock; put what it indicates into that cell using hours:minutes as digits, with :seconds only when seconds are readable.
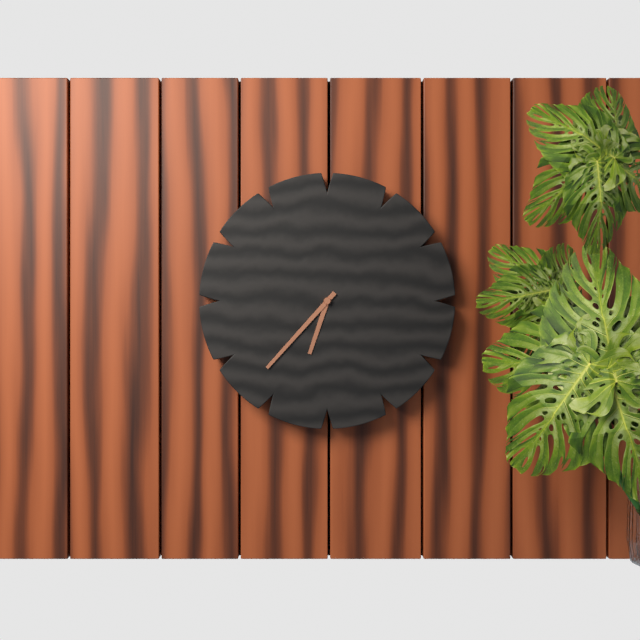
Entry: 6:37
